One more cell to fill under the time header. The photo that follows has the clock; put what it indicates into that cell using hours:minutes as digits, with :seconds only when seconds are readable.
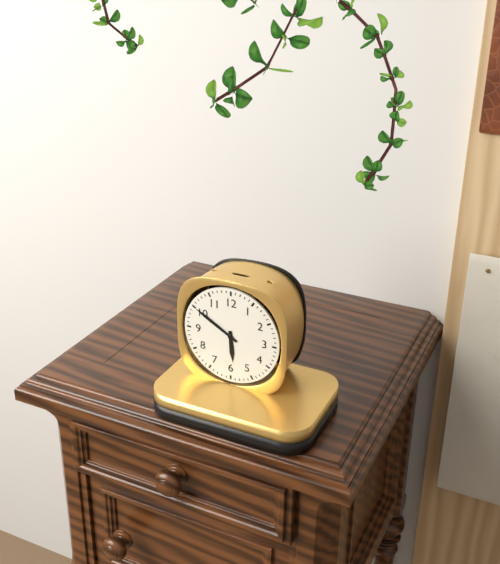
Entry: 5:50
